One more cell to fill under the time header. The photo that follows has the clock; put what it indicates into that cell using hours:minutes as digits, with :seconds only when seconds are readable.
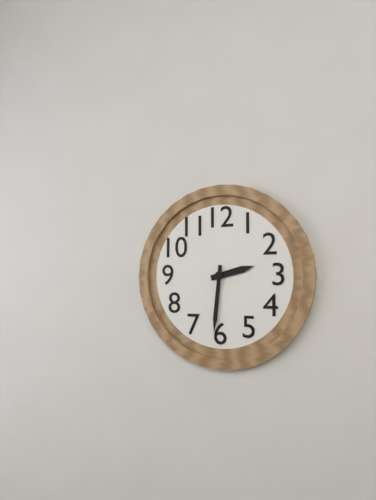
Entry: 2:31
